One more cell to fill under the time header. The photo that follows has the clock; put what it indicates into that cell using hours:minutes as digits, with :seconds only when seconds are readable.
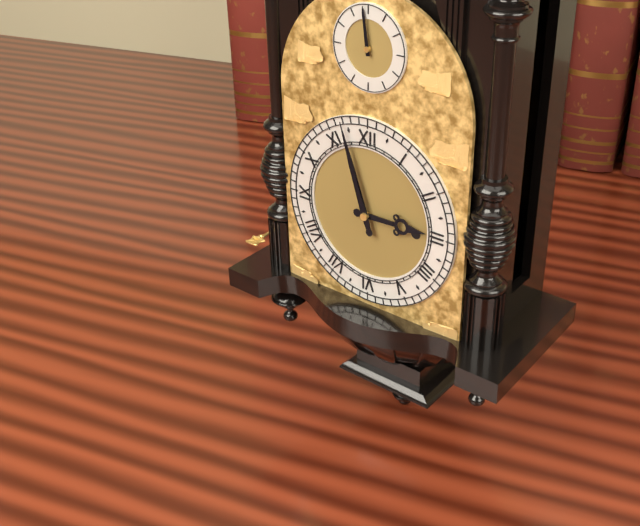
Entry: 2:57
